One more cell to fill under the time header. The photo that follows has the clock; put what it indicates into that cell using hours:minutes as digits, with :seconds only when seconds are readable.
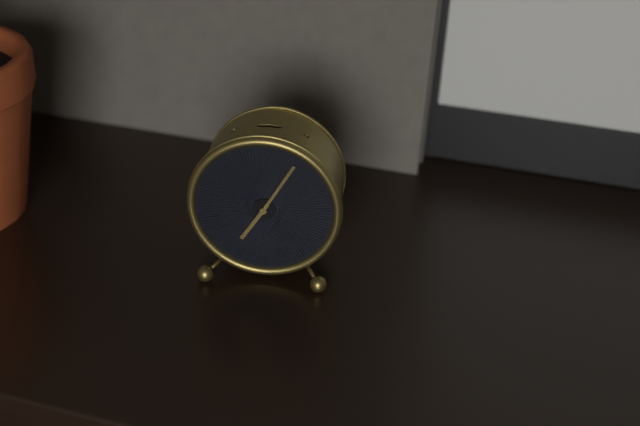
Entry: 7:05
